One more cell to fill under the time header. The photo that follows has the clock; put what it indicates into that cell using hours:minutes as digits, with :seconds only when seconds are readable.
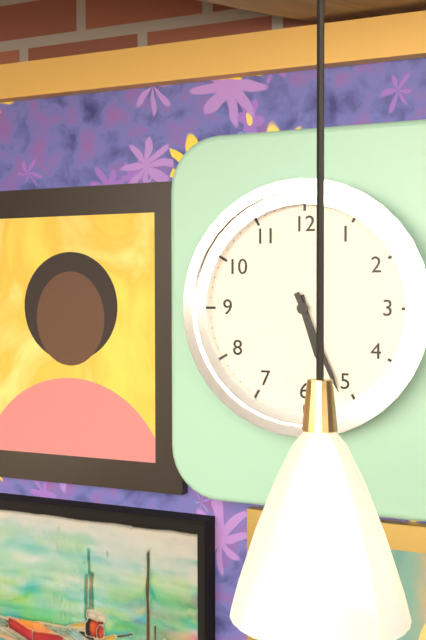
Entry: 5:26
